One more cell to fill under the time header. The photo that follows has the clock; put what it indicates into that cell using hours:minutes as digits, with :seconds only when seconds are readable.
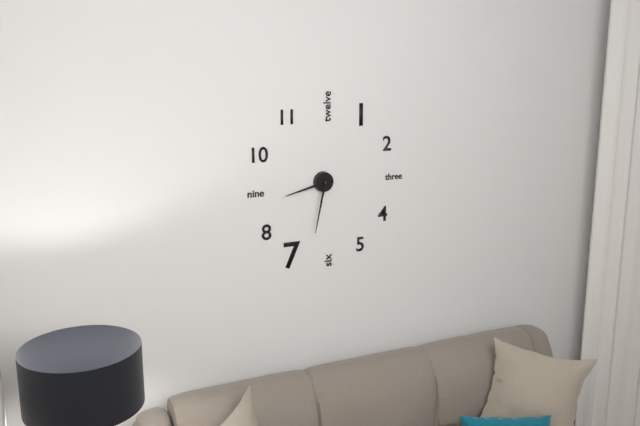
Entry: 8:32
